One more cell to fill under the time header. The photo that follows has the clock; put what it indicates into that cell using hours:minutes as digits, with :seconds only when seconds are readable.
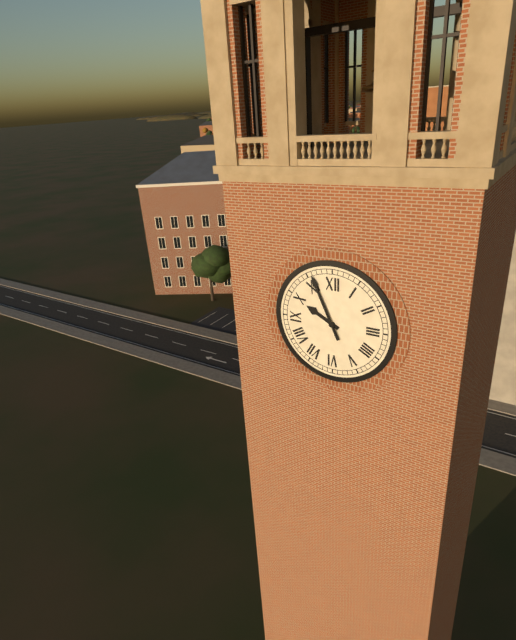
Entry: 9:56
